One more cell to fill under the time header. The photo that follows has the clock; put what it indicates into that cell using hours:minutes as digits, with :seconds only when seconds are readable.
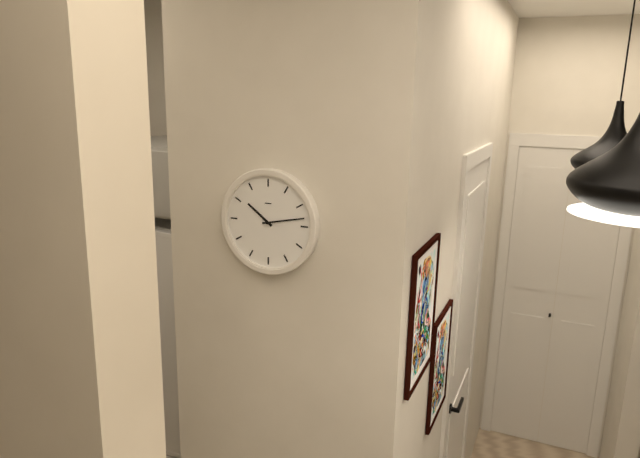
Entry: 10:13
